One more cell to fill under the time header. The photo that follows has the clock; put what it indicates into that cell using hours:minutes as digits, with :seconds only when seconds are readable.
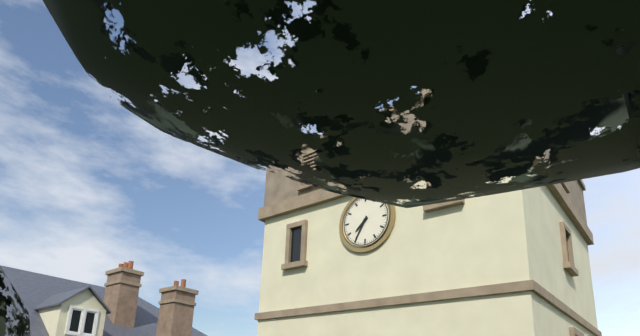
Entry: 7:35
